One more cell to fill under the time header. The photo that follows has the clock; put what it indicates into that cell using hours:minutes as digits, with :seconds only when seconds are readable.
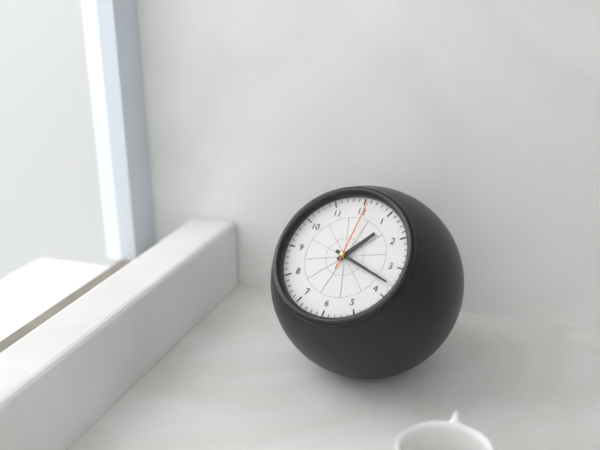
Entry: 1:18:01
